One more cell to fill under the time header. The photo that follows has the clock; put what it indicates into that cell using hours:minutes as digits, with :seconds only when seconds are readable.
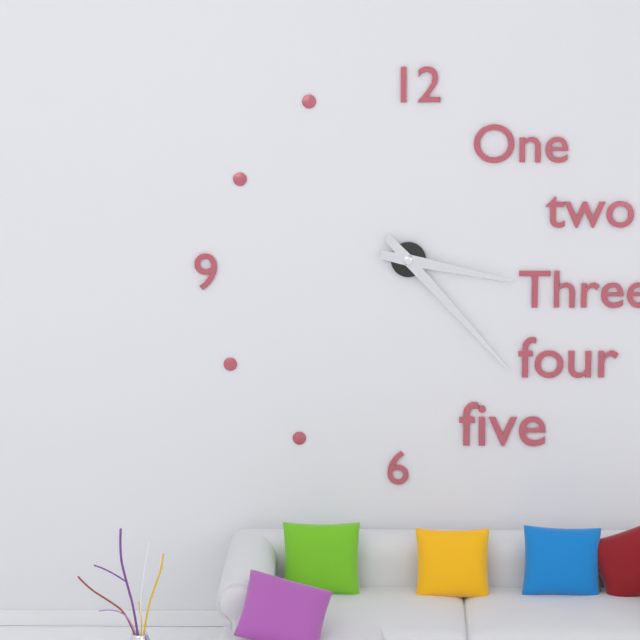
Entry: 3:23
